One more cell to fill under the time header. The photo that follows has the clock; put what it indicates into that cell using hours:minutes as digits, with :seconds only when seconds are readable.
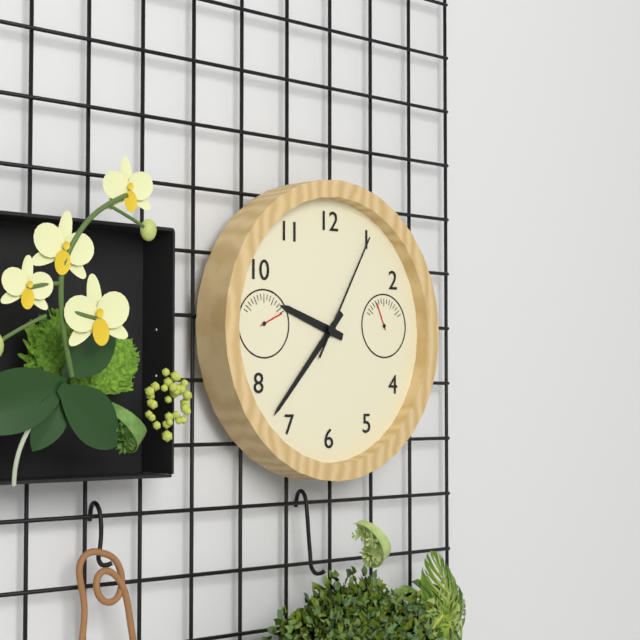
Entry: 9:37:05
